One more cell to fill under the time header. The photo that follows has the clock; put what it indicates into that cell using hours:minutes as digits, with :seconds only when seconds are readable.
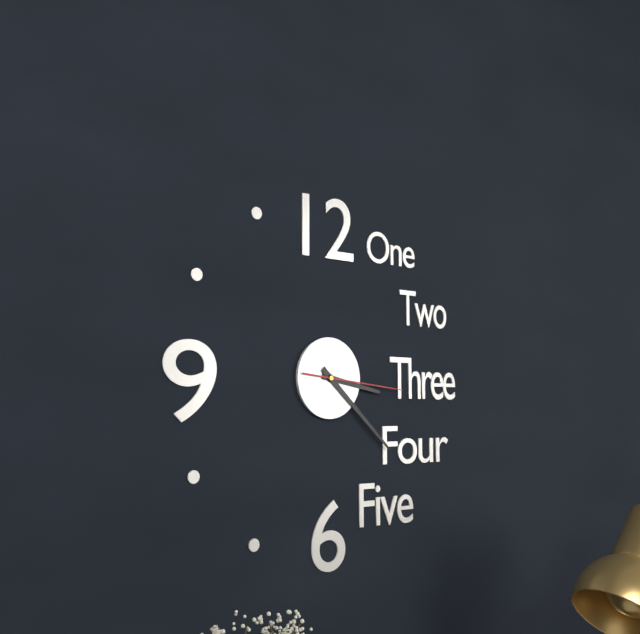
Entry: 3:22:16
